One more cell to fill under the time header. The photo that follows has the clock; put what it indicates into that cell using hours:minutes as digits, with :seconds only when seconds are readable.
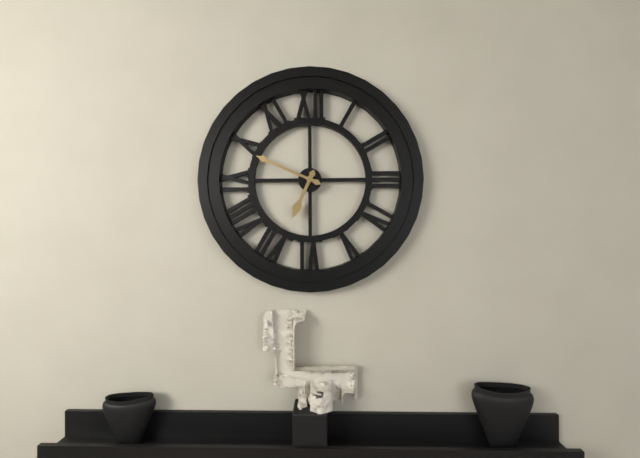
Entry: 6:49
